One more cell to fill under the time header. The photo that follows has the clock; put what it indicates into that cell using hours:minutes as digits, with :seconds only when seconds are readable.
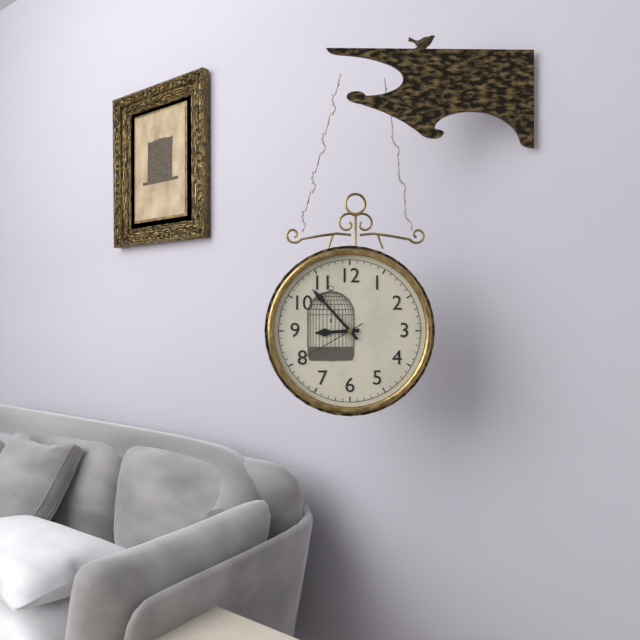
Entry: 8:53:40
